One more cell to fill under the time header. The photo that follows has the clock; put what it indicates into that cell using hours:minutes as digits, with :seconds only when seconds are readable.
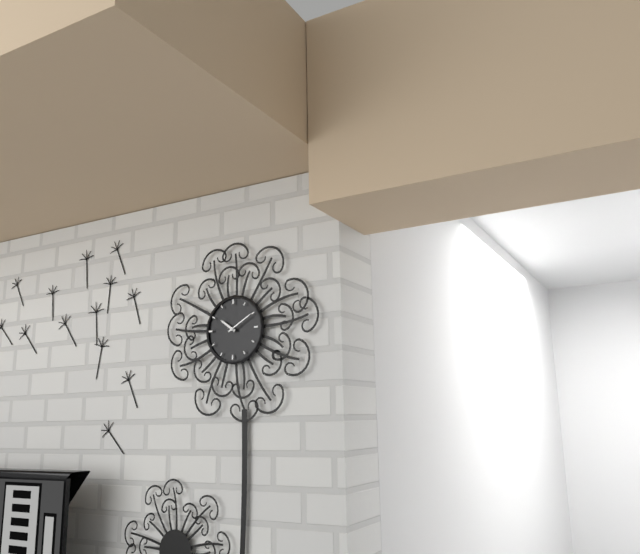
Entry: 10:10
